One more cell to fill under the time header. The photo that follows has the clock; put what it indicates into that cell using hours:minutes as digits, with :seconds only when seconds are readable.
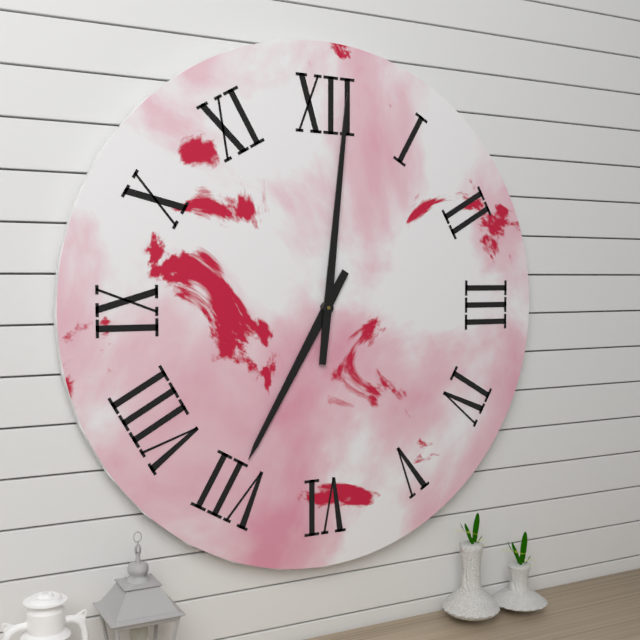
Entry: 7:01
